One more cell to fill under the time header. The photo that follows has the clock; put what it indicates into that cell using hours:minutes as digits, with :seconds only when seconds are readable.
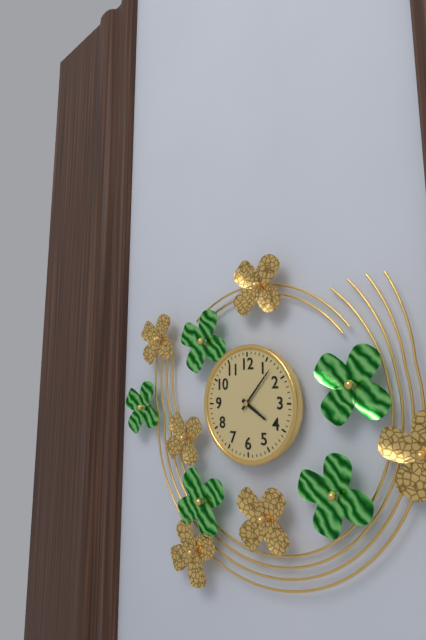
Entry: 4:07
